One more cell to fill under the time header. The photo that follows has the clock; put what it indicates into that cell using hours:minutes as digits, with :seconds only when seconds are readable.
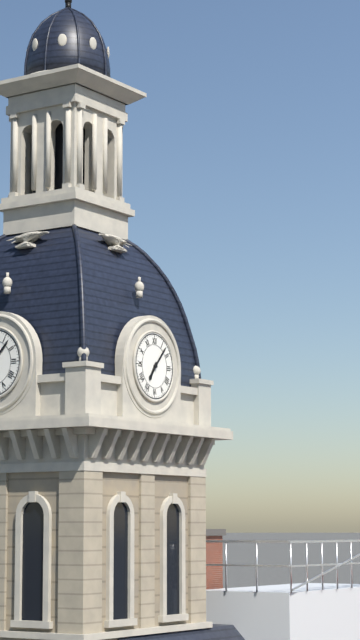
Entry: 7:07
